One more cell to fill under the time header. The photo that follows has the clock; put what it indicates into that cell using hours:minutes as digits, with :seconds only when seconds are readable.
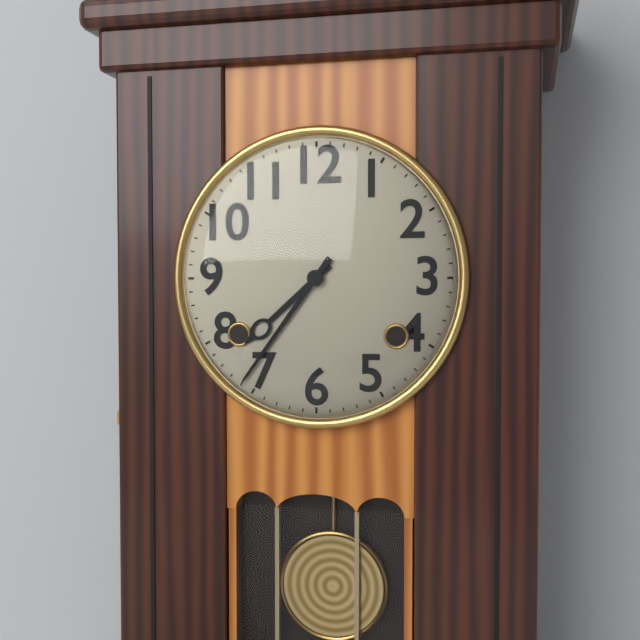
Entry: 7:36
